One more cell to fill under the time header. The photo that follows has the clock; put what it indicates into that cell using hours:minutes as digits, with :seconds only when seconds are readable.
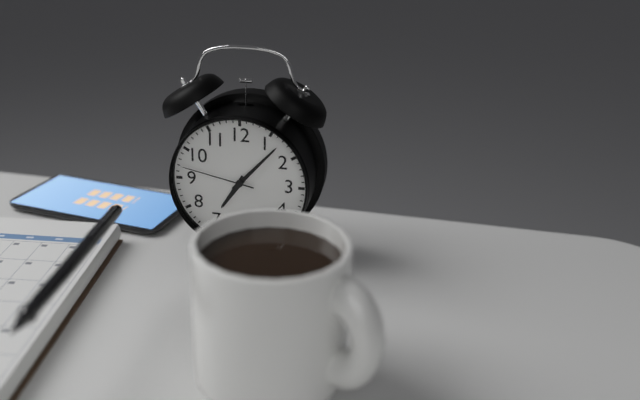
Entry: 7:07:47
